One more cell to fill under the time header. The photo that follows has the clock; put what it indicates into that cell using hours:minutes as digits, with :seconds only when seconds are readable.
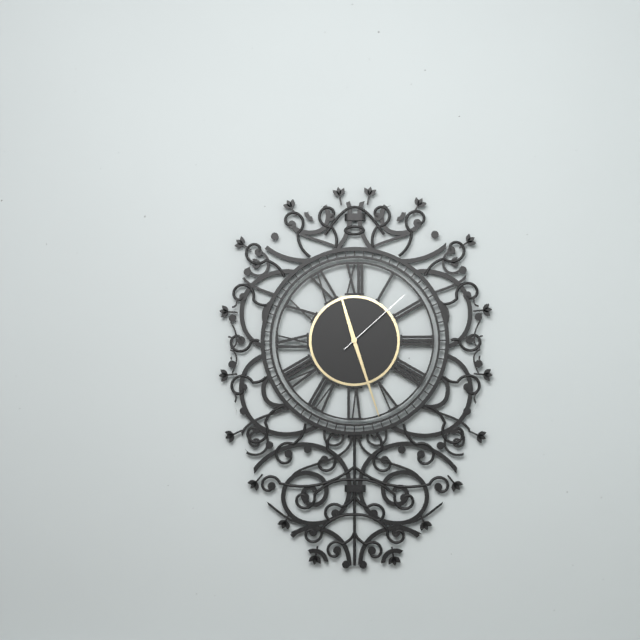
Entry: 11:27:08
